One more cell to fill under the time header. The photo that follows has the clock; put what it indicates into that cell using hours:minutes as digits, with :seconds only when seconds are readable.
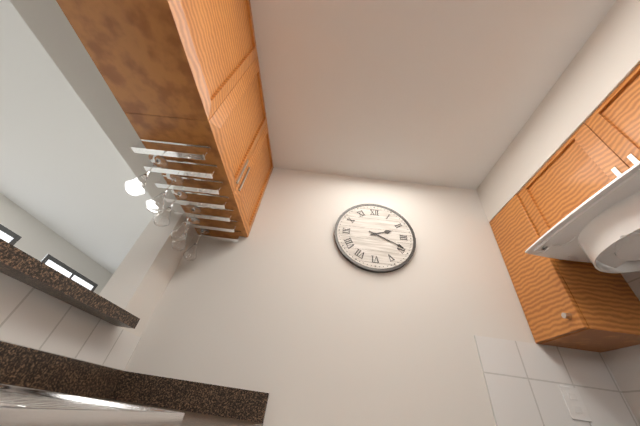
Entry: 2:19
